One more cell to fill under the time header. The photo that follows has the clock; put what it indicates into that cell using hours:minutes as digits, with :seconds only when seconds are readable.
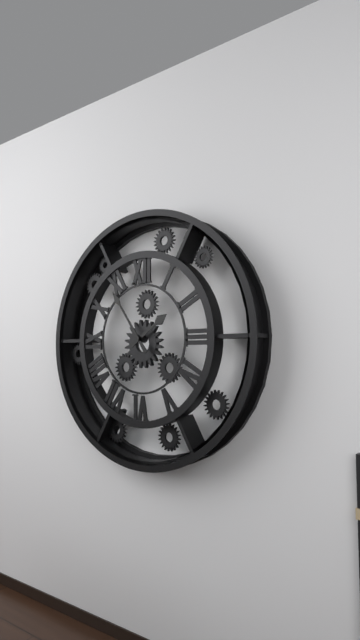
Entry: 1:54
